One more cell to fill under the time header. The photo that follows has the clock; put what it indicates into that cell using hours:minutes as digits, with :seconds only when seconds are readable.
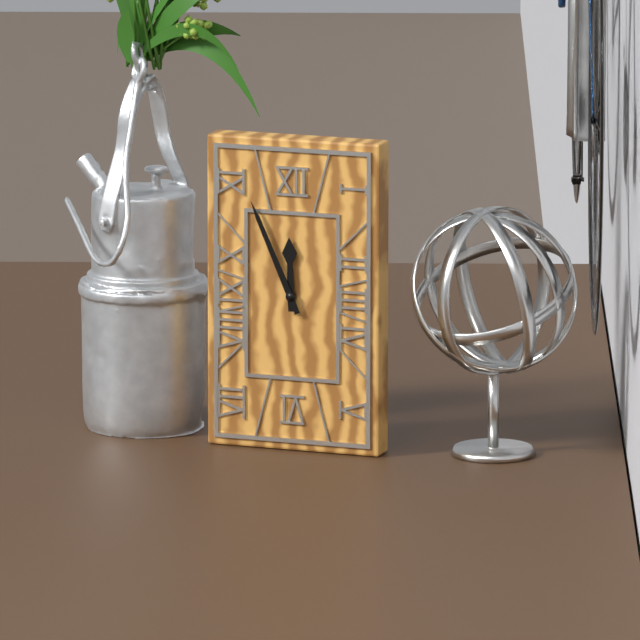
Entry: 11:56
